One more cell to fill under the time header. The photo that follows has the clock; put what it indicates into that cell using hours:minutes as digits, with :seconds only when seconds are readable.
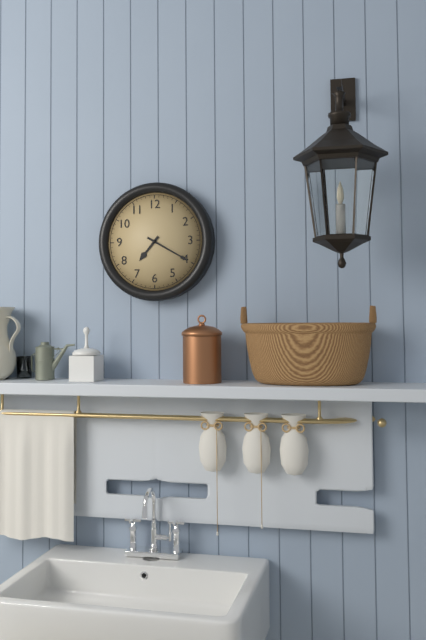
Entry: 7:20
